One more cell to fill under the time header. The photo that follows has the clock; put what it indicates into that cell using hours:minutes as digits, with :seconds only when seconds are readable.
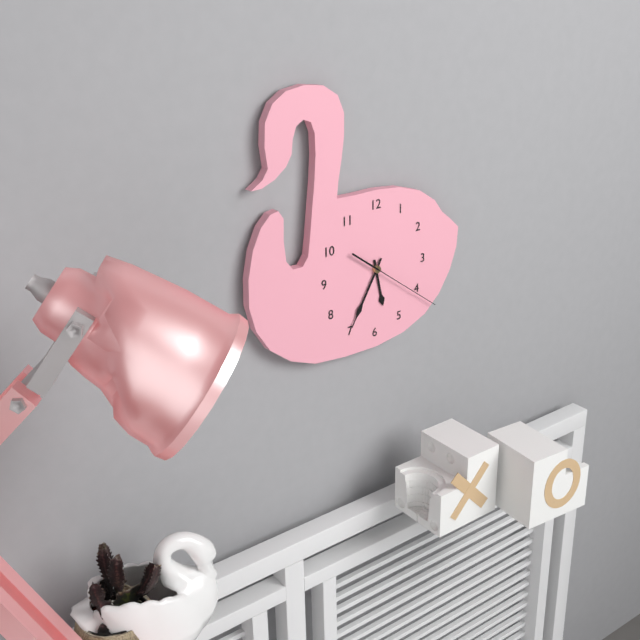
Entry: 5:35:21
